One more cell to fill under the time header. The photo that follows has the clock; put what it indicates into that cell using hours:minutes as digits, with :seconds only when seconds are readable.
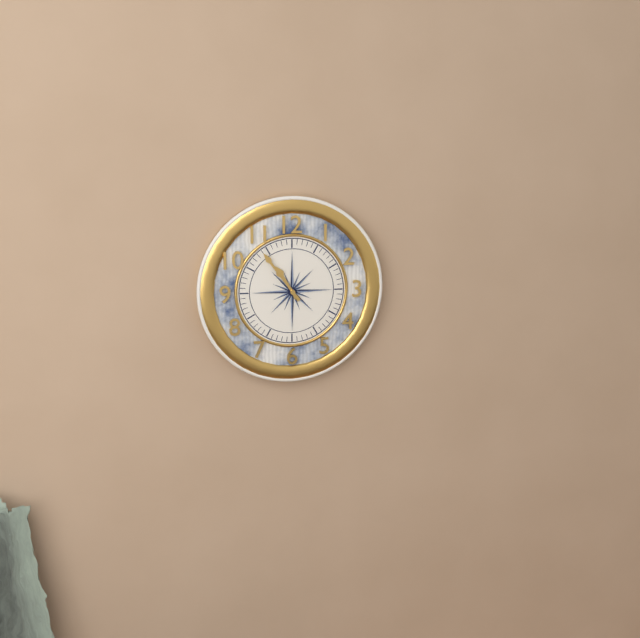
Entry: 10:54
